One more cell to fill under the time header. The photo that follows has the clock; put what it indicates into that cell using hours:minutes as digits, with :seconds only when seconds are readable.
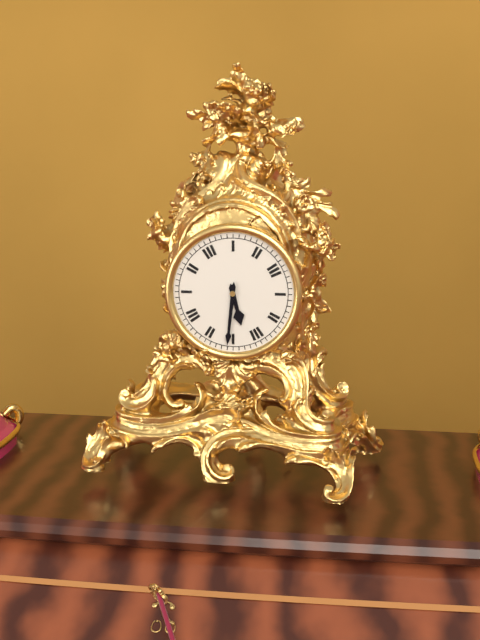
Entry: 5:31
